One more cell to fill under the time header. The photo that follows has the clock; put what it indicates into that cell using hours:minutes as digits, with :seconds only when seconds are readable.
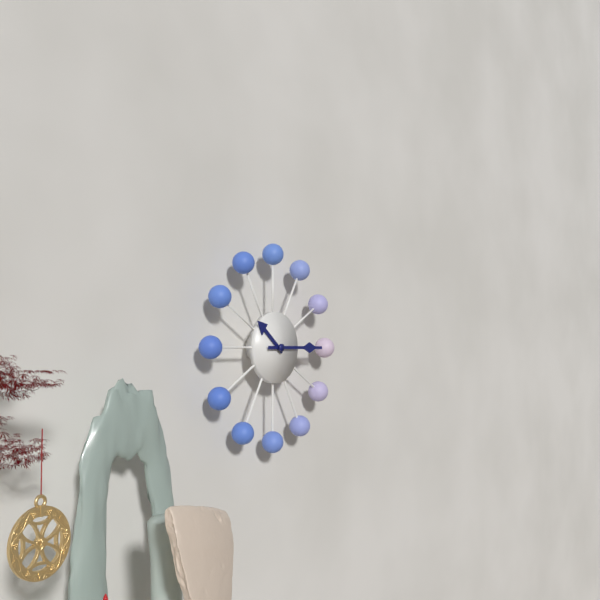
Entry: 10:15
